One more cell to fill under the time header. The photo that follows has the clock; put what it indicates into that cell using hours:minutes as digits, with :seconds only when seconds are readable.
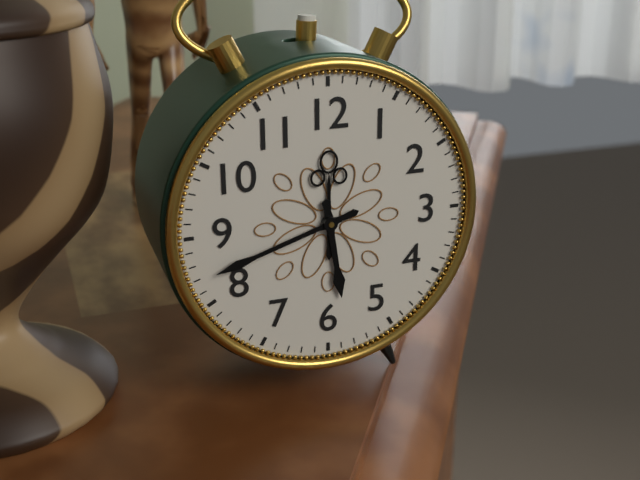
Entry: 5:42
